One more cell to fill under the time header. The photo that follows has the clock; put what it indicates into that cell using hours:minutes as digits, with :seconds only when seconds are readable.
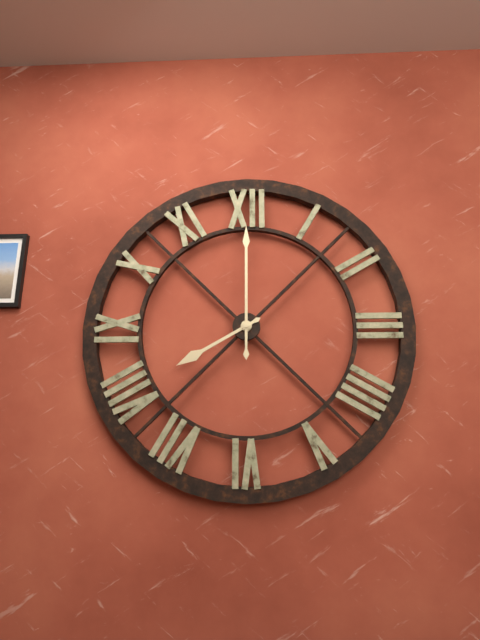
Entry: 8:00
